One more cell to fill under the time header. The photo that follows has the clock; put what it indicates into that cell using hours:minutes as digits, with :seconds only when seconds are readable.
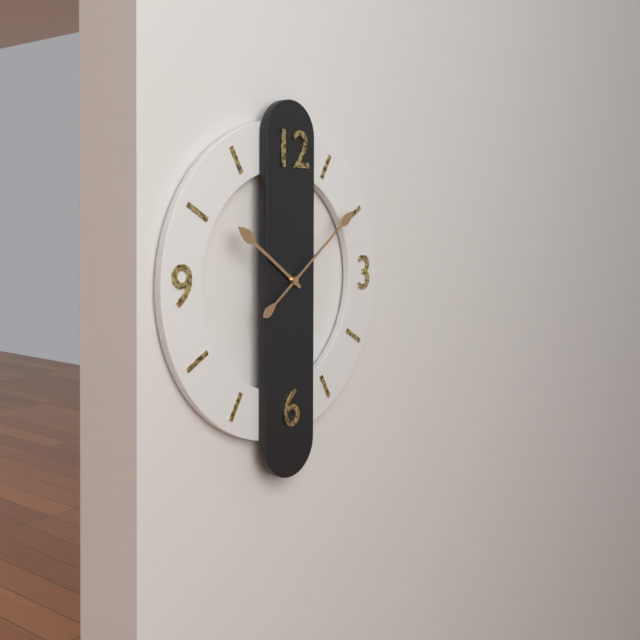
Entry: 10:09
